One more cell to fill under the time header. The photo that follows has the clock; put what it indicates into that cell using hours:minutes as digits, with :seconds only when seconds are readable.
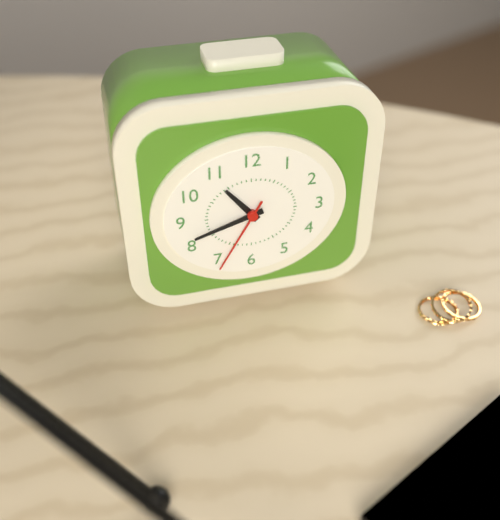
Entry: 10:42:35
